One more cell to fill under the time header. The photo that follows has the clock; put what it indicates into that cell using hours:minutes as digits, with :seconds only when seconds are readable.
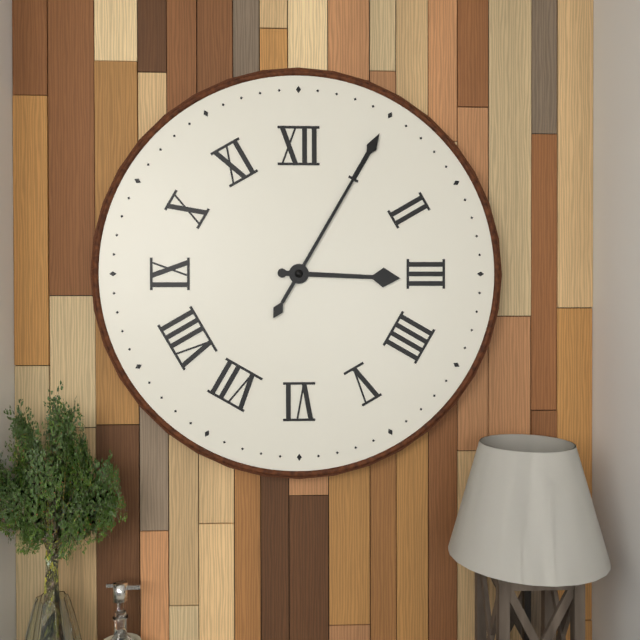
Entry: 3:05
